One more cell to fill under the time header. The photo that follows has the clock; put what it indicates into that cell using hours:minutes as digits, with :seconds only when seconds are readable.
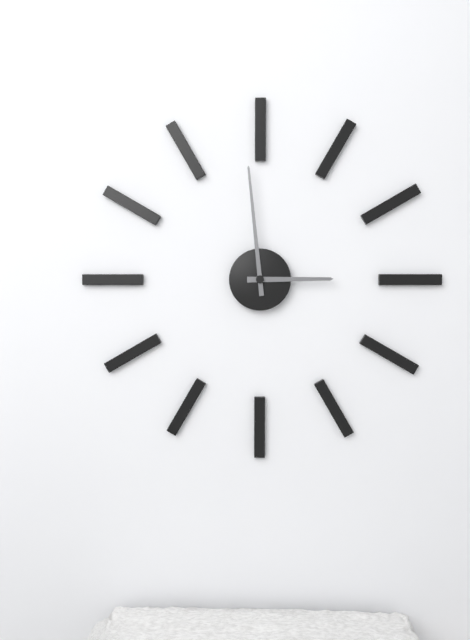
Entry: 2:59
